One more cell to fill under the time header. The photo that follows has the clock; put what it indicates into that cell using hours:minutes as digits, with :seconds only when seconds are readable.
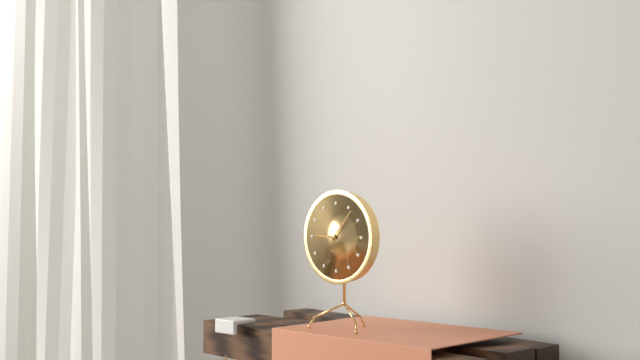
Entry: 9:07
